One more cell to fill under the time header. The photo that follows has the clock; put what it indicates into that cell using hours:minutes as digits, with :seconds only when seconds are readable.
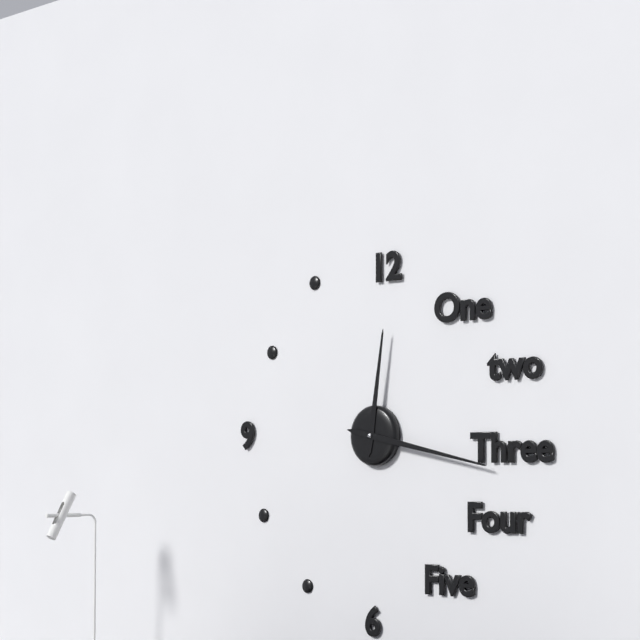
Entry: 12:17
